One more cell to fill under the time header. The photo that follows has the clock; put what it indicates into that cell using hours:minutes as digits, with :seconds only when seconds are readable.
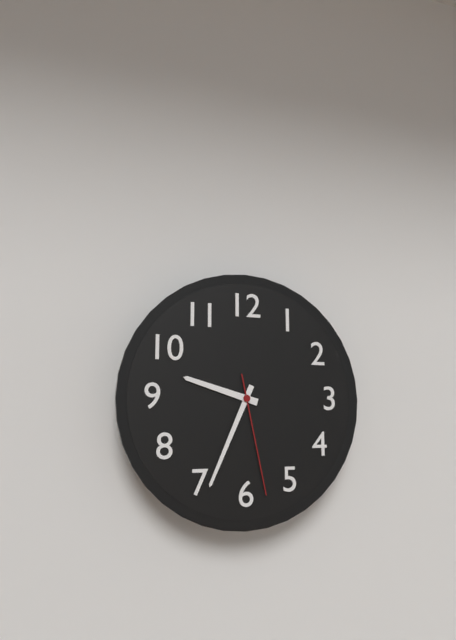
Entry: 9:34:28
